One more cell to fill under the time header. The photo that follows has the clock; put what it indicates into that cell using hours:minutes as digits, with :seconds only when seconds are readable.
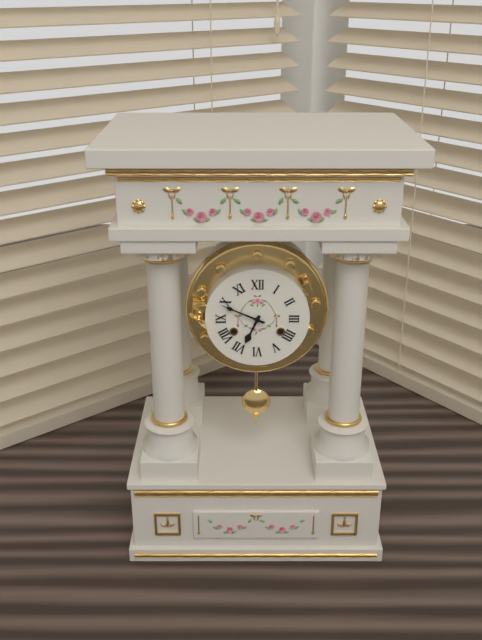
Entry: 6:49
